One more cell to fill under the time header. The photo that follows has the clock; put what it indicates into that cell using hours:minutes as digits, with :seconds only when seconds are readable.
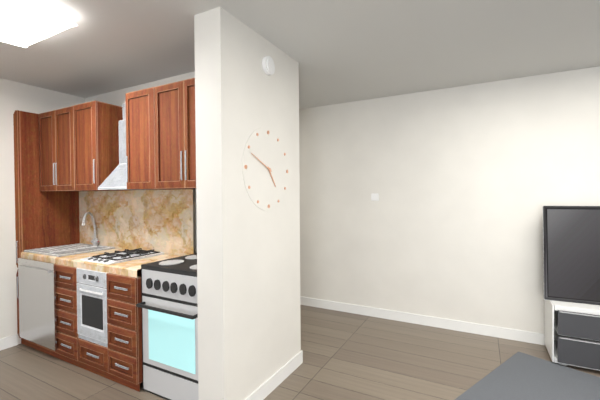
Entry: 4:49
